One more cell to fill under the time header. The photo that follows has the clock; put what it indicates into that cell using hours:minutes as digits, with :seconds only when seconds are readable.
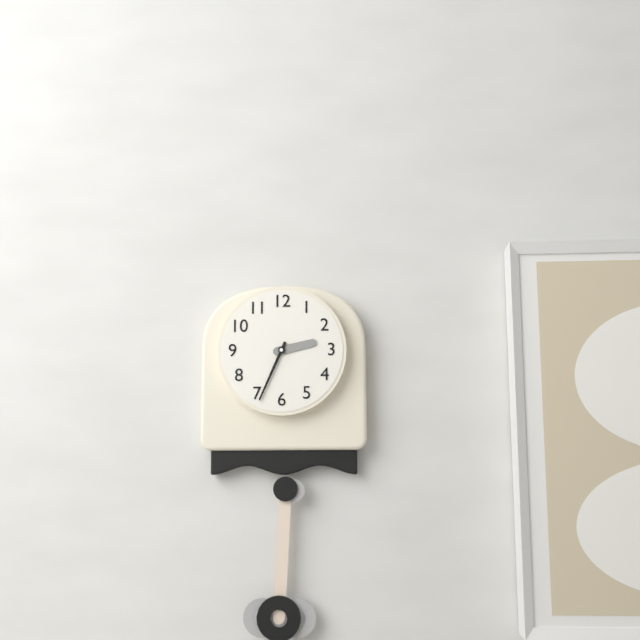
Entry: 2:34
